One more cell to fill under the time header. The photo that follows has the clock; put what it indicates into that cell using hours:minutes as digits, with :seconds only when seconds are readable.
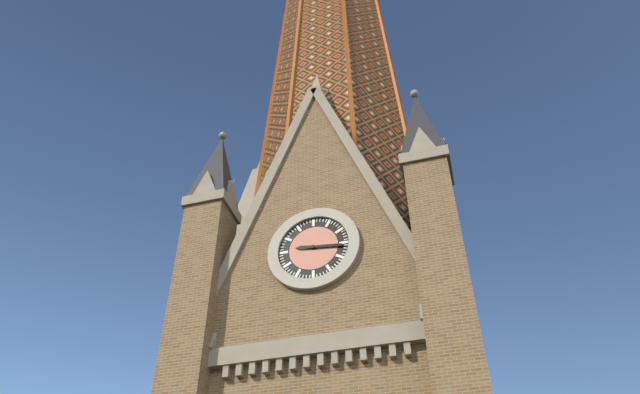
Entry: 9:16
